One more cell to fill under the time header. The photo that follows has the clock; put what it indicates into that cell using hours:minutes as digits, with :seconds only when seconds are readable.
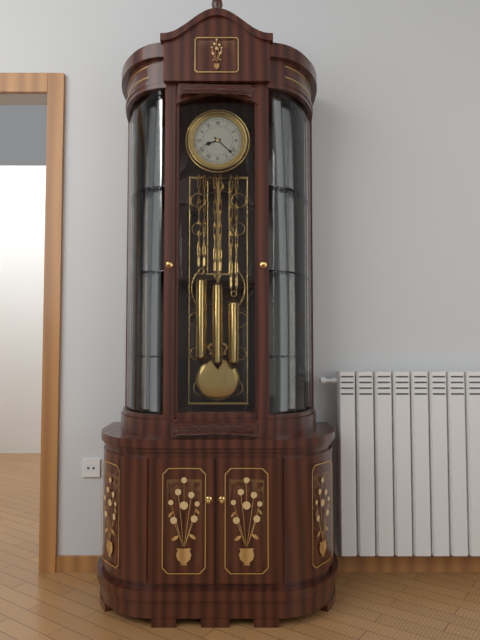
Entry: 8:22
